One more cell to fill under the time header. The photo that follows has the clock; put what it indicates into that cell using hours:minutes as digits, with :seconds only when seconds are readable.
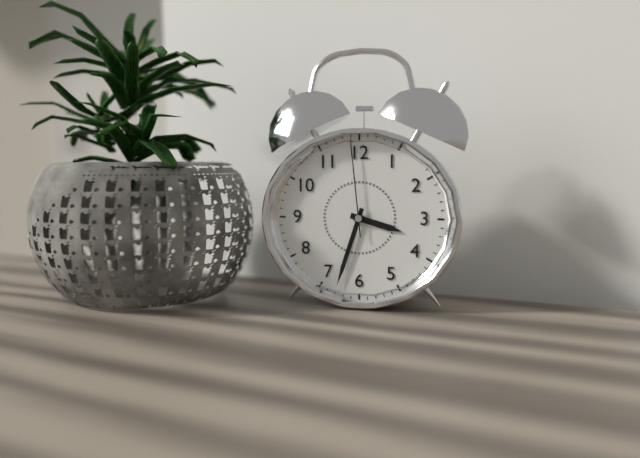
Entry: 3:33:59
